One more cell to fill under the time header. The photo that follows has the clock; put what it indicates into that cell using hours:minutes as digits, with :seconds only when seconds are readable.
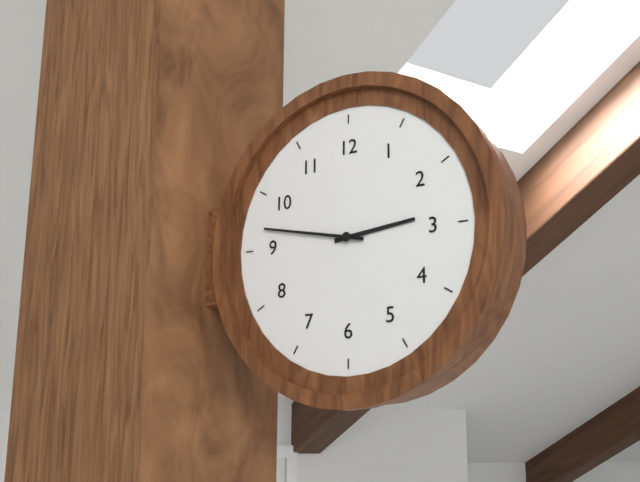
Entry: 2:47
